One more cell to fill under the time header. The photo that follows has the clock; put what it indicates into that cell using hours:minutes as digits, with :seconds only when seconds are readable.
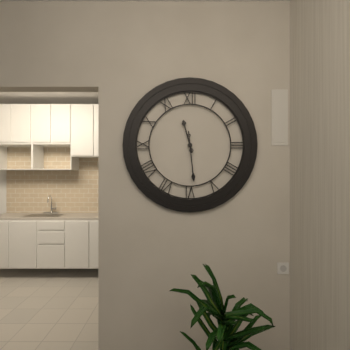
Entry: 11:29
